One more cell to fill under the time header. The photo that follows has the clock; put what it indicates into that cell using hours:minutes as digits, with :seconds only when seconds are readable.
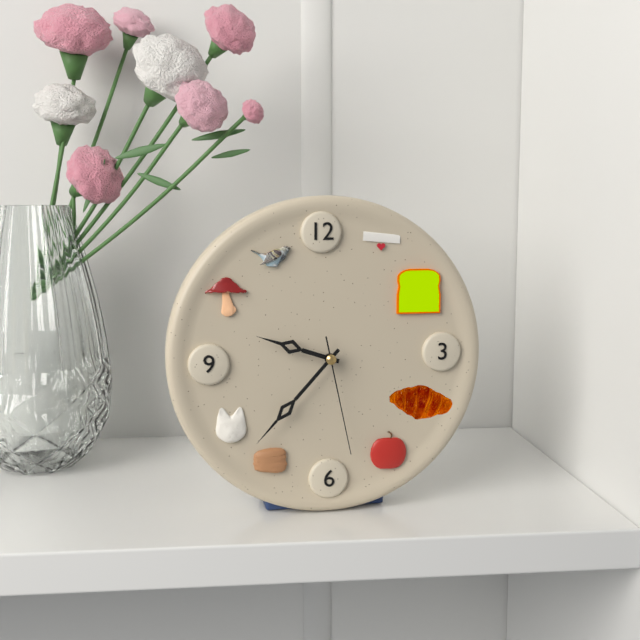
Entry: 9:37:28
